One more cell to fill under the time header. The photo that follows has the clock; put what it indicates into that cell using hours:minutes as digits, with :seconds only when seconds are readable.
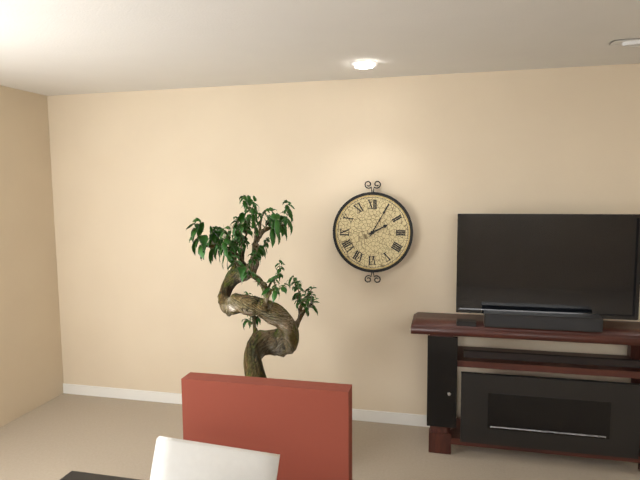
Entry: 2:05
